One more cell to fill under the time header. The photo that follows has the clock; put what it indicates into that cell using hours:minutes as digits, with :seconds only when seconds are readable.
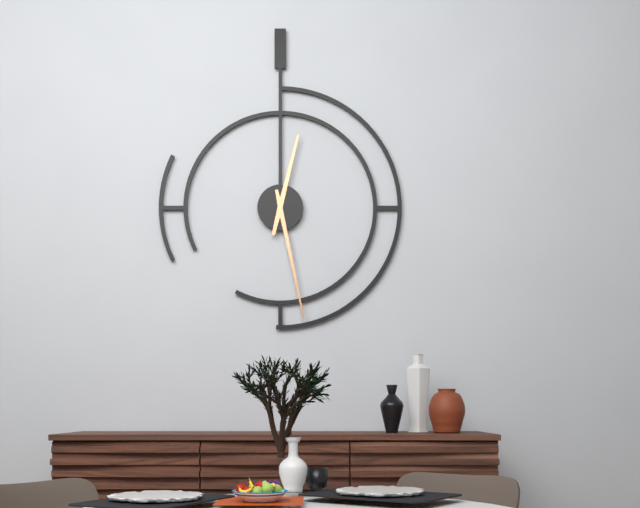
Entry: 12:28
